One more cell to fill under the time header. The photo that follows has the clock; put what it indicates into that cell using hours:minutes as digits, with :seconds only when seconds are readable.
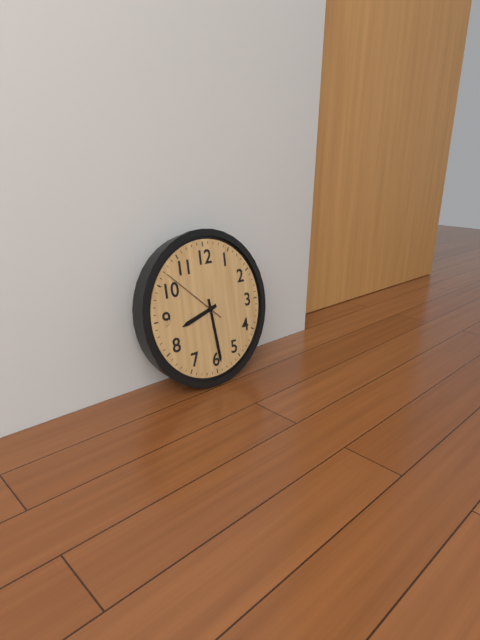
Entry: 8:29:52
